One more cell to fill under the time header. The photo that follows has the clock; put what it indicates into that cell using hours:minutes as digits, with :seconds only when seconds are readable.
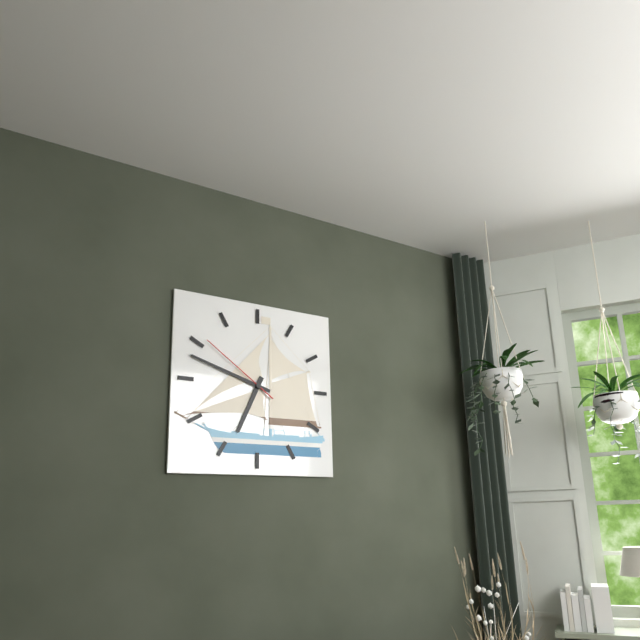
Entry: 6:48:51
